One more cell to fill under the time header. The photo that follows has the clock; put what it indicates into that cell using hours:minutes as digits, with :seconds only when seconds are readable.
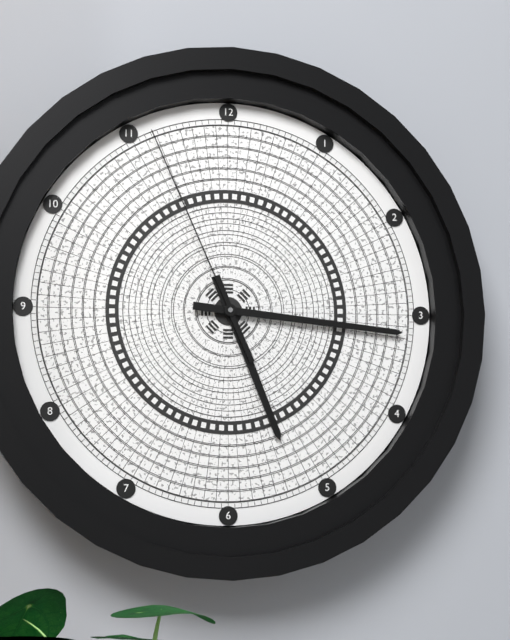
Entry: 5:16:56
